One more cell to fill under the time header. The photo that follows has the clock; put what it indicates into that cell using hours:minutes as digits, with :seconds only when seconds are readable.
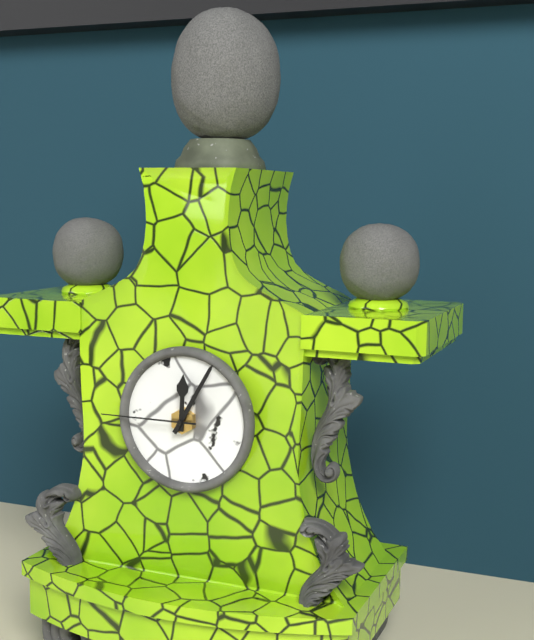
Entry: 12:05:45
